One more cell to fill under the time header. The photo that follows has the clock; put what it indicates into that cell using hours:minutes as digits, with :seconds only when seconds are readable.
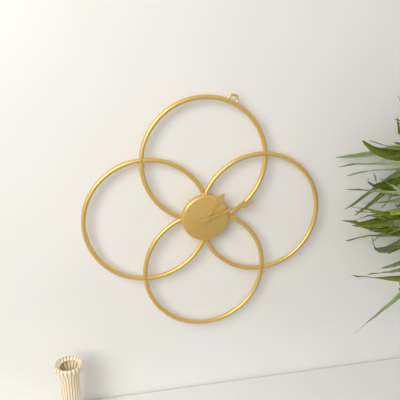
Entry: 1:12
